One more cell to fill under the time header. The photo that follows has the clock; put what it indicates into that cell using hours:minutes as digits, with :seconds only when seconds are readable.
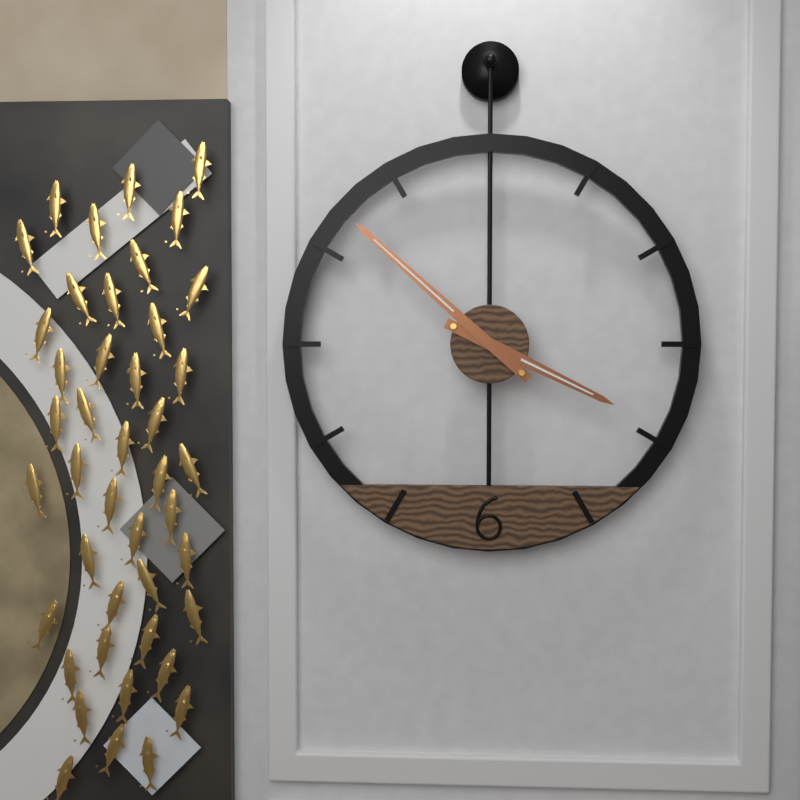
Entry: 3:52
